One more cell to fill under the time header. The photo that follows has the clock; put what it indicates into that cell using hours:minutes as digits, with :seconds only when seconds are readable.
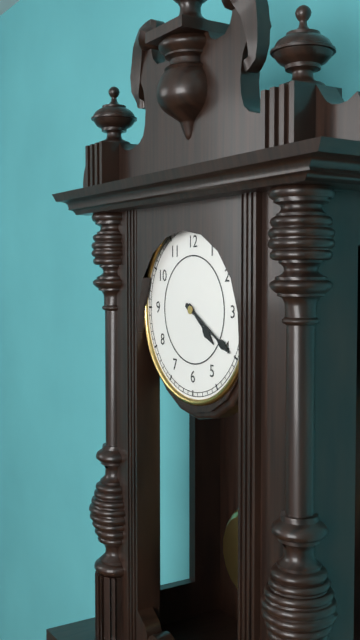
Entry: 4:20
